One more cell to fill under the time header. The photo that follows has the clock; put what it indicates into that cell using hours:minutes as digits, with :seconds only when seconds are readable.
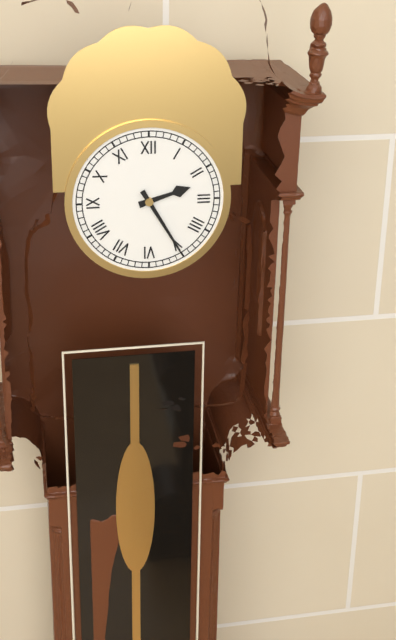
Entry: 2:25
